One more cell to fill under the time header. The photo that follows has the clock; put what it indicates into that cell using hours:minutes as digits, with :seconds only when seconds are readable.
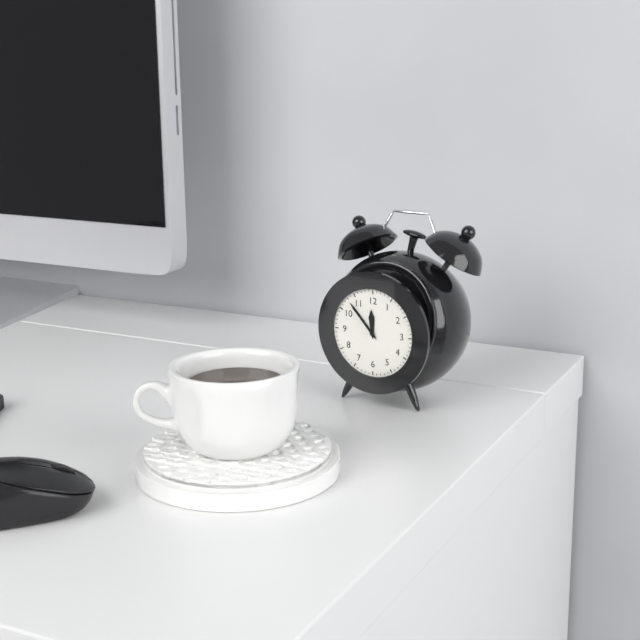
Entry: 11:53
